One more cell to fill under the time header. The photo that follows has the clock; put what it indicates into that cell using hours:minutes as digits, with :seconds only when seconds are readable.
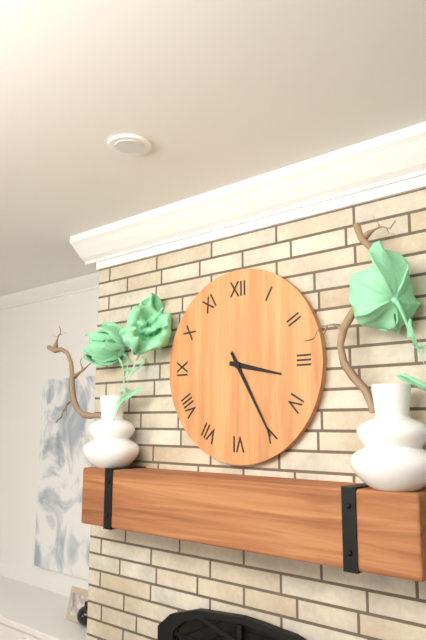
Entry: 3:25
